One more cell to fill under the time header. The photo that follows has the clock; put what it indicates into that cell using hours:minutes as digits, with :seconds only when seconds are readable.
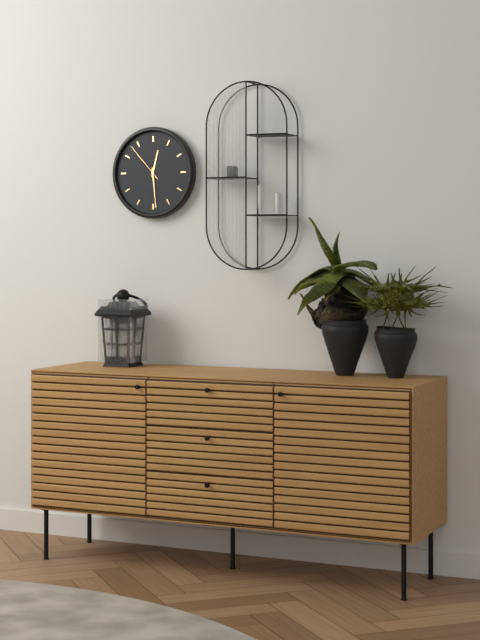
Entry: 12:29
